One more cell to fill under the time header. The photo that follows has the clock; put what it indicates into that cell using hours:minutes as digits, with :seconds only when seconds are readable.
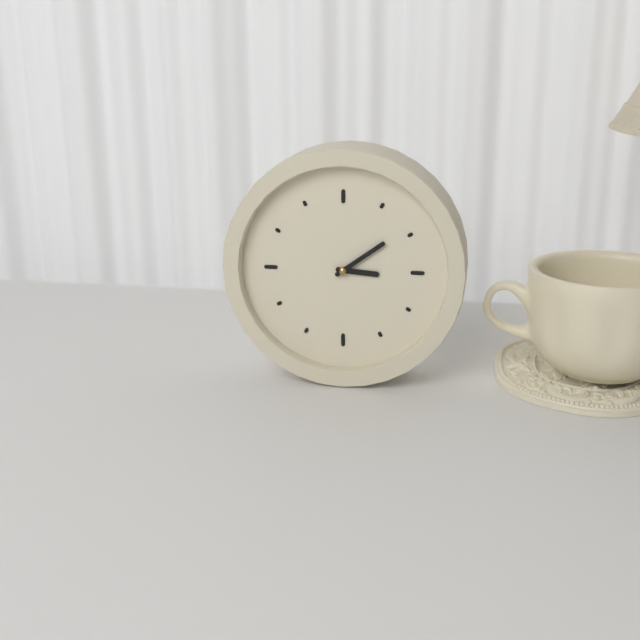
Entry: 3:09
